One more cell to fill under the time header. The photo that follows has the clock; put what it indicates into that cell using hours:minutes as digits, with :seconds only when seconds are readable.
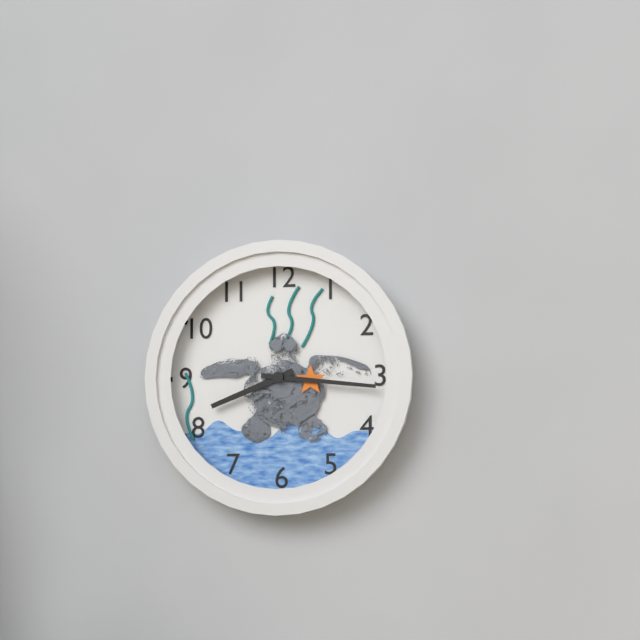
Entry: 8:16
